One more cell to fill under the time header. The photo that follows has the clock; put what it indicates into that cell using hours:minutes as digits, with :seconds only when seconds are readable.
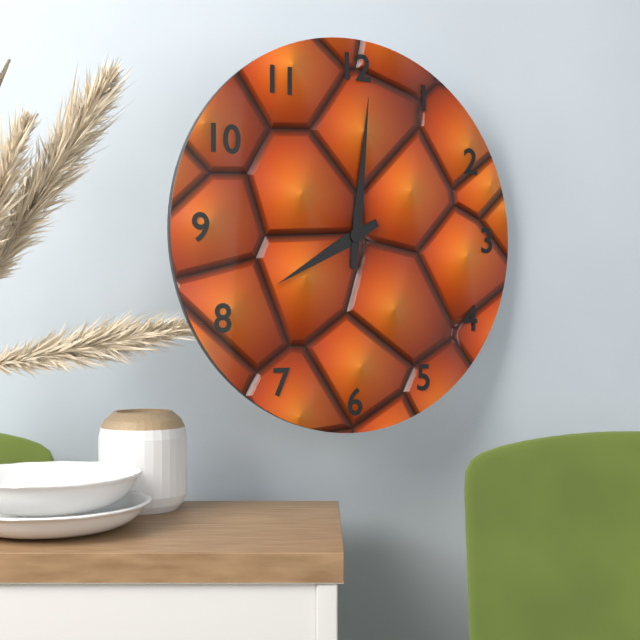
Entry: 8:01
